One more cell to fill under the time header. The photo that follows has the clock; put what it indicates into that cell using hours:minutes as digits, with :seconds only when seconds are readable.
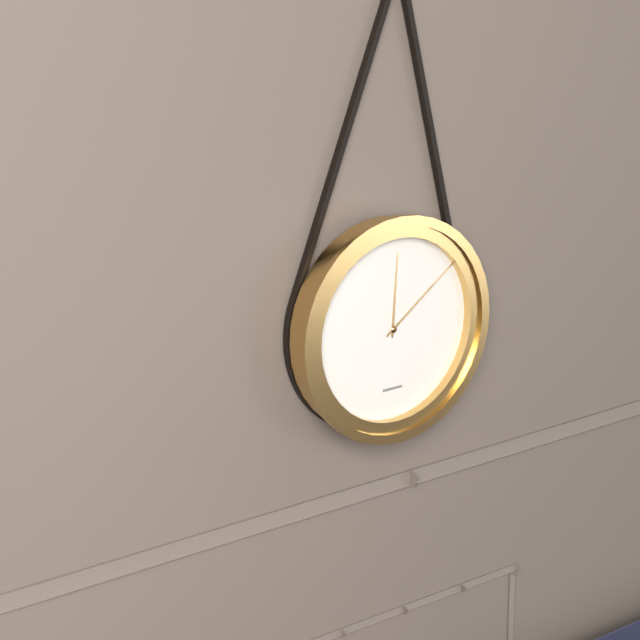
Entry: 12:09
